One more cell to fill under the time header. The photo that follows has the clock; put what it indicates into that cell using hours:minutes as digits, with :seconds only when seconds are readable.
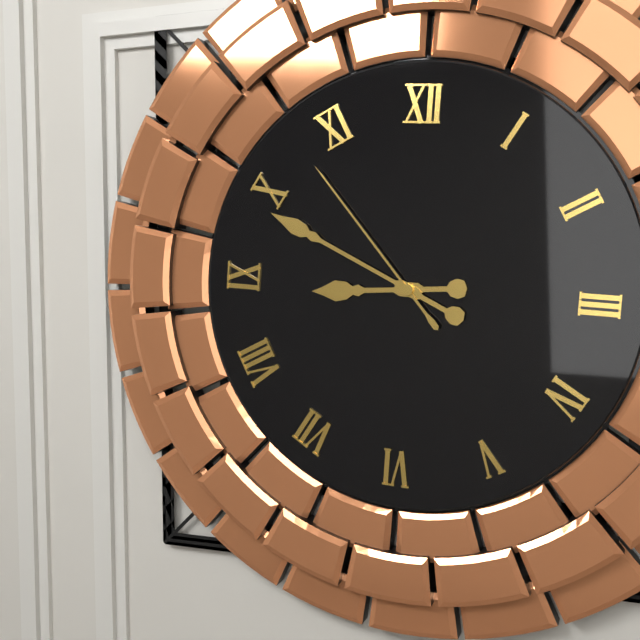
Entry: 8:49:53
